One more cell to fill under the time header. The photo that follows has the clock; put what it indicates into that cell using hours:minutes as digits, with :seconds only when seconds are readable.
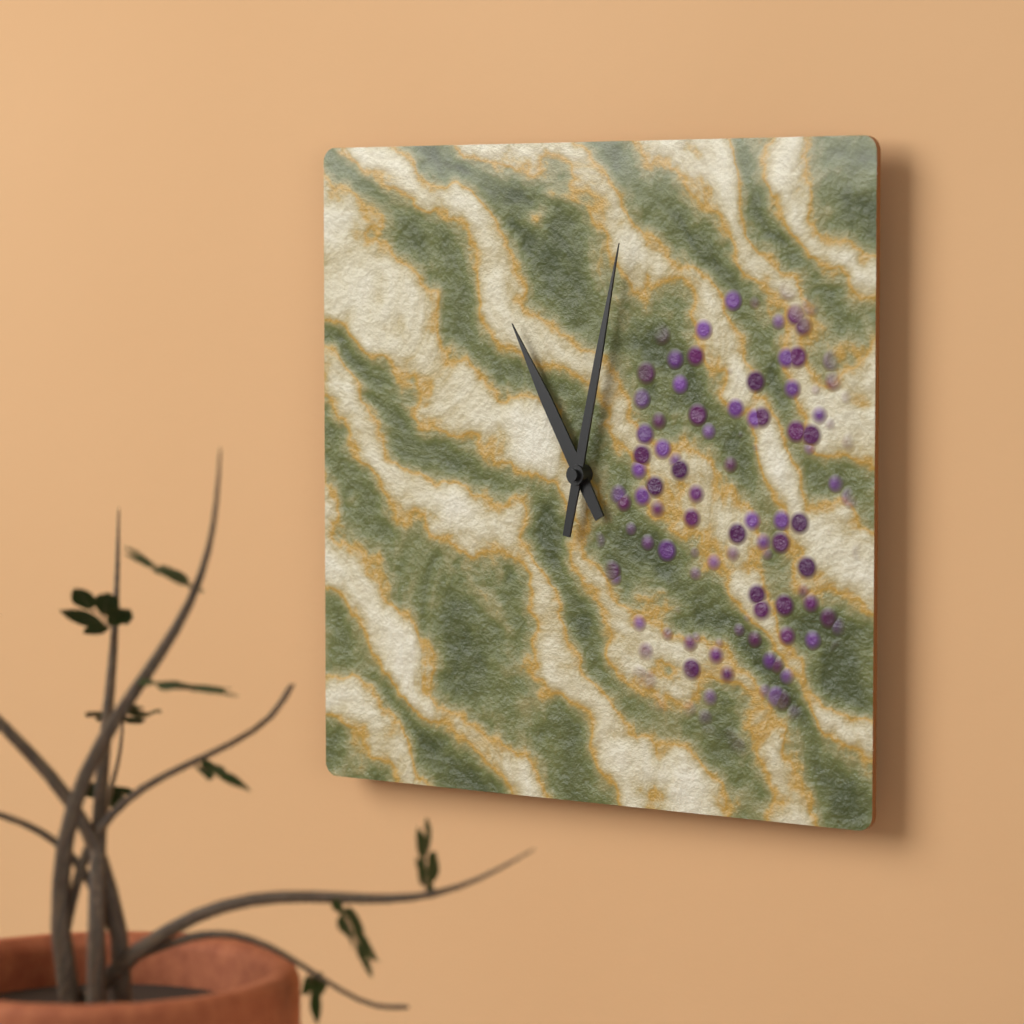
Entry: 11:02
